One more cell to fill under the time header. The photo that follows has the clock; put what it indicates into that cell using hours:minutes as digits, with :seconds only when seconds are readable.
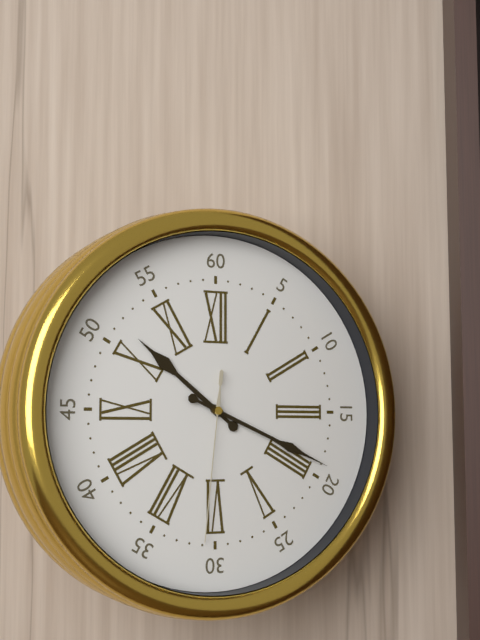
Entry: 10:19:31
